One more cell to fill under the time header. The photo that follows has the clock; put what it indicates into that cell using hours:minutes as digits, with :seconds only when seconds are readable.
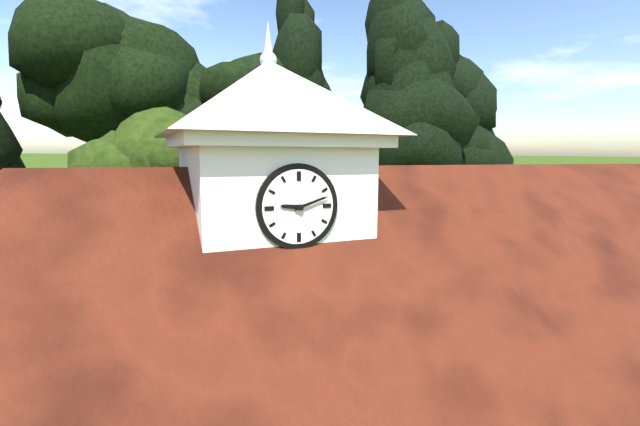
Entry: 9:12
